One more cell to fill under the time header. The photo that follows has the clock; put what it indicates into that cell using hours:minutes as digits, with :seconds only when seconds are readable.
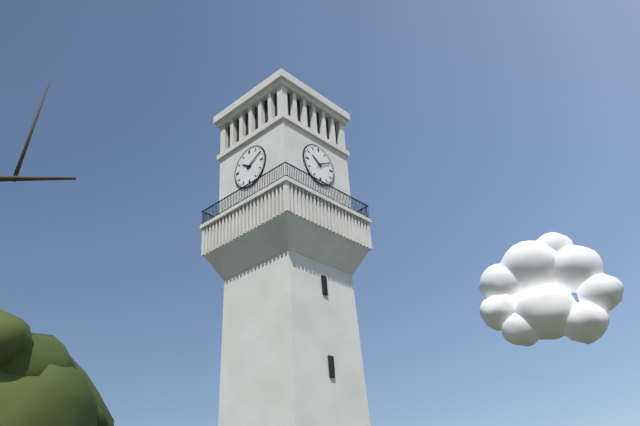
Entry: 10:10
